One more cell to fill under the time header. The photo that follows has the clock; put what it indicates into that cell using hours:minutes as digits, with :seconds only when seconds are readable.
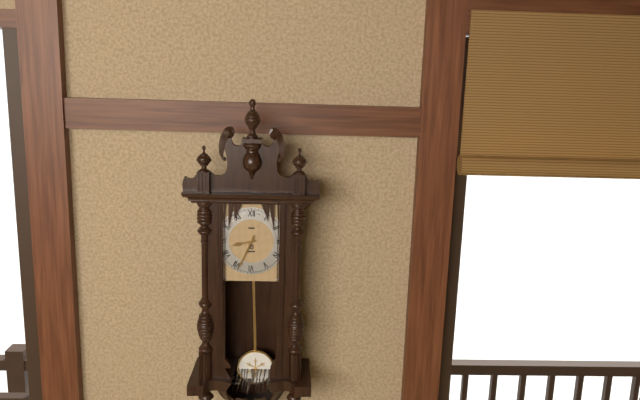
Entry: 8:34
